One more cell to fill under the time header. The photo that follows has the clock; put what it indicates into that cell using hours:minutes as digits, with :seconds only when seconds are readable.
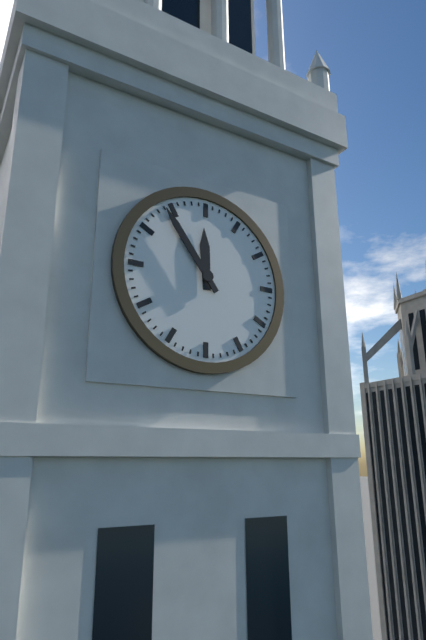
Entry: 11:54
